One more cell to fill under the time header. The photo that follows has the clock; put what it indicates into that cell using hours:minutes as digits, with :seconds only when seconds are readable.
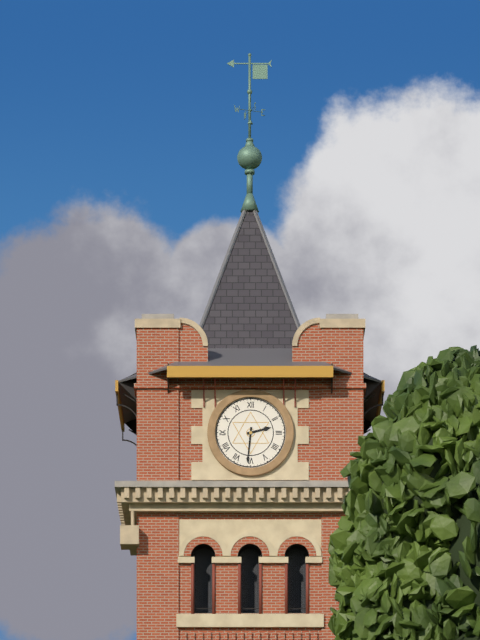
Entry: 2:31
